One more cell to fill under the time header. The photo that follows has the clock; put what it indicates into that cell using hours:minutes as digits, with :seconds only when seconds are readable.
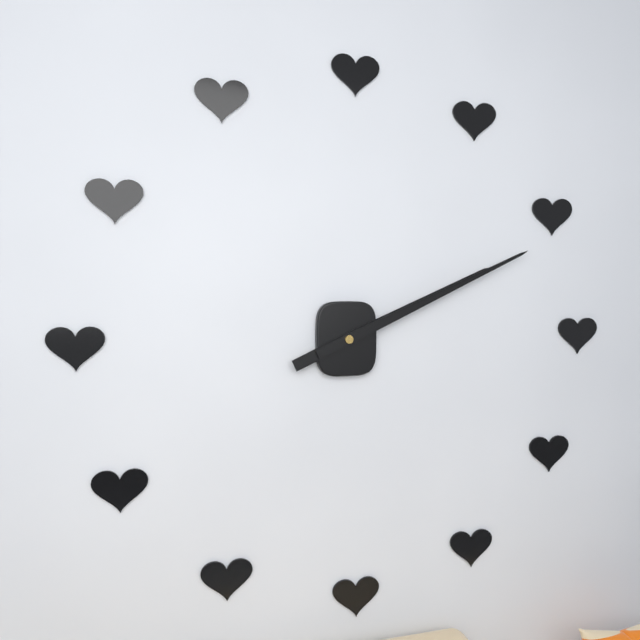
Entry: 2:11
